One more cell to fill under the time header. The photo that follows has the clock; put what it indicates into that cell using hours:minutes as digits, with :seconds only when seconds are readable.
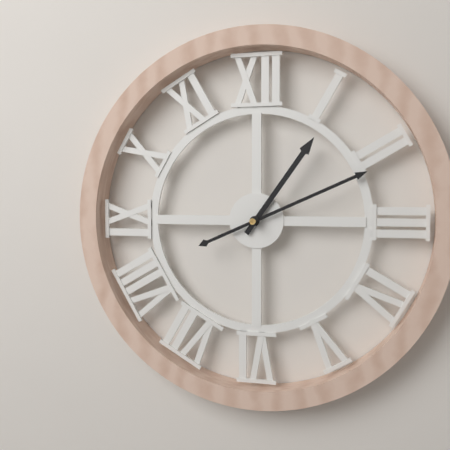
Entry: 1:11
